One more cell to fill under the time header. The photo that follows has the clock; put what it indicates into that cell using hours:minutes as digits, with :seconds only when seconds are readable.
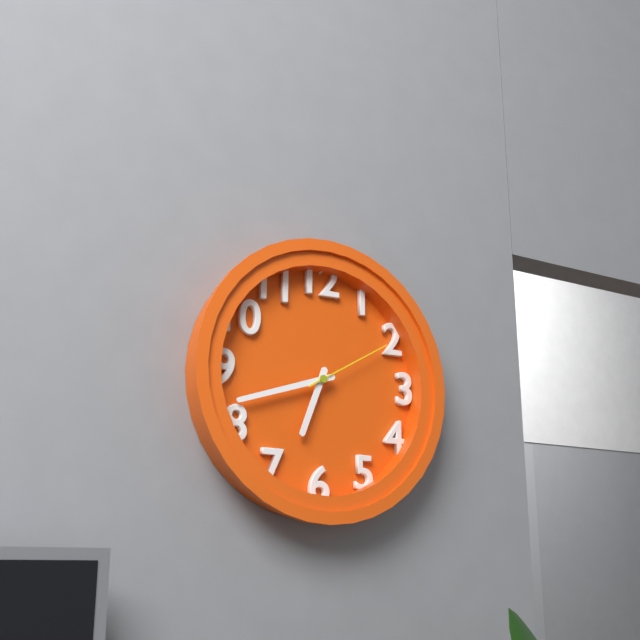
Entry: 6:42:10
